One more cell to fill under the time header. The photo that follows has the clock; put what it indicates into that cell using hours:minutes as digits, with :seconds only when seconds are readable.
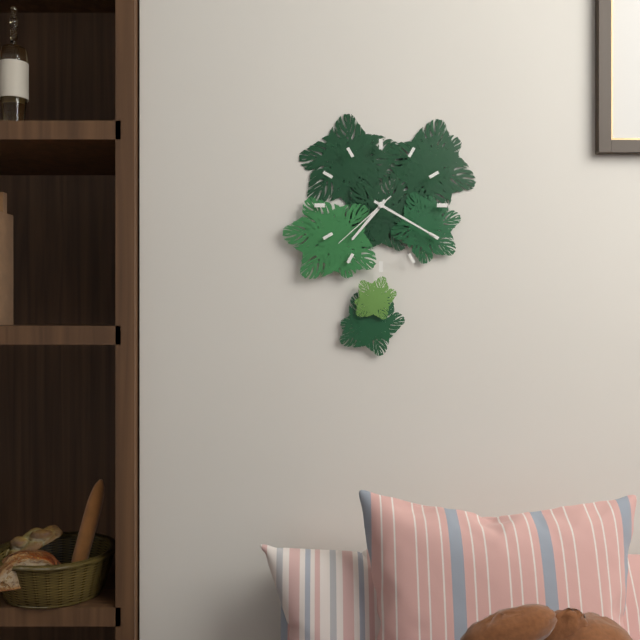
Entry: 7:20:38
